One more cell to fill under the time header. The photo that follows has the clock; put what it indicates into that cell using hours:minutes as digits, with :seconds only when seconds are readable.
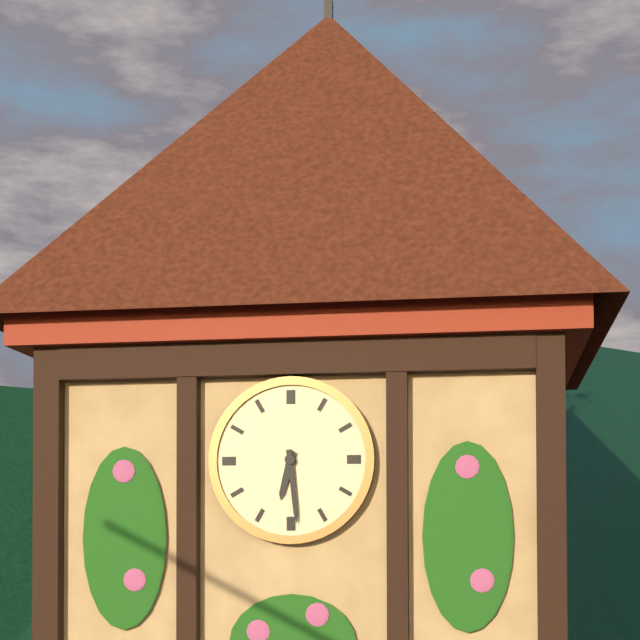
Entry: 6:29
